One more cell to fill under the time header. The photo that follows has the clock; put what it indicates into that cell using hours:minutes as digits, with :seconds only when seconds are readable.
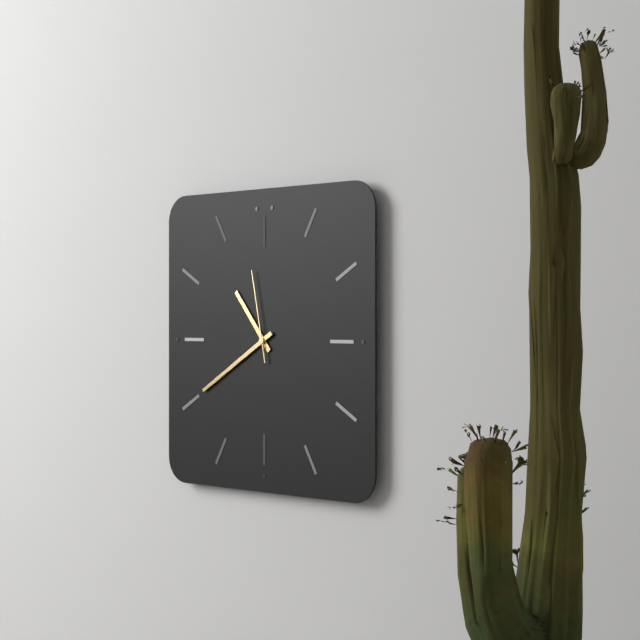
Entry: 10:40:58
